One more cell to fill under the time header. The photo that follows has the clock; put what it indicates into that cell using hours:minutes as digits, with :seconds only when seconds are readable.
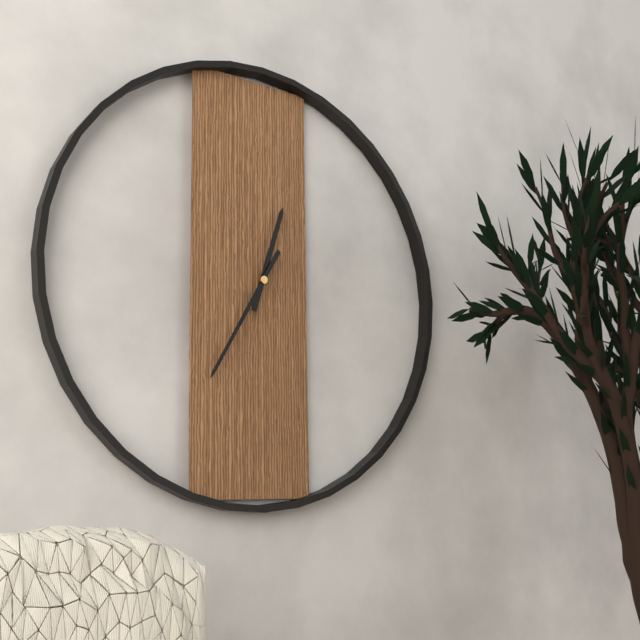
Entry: 12:35
